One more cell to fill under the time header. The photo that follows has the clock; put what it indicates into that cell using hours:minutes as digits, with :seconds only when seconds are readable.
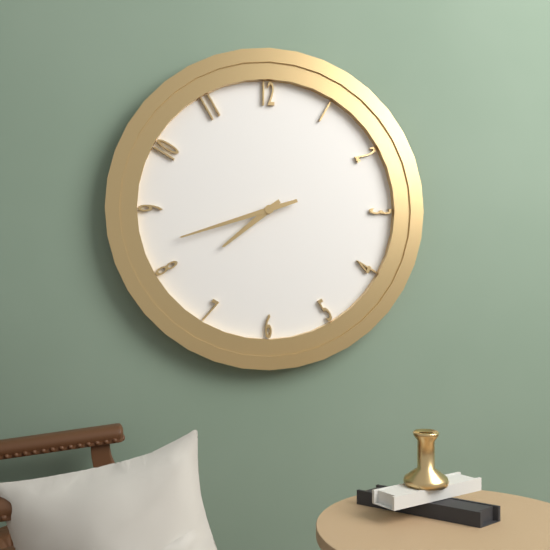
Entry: 7:42
